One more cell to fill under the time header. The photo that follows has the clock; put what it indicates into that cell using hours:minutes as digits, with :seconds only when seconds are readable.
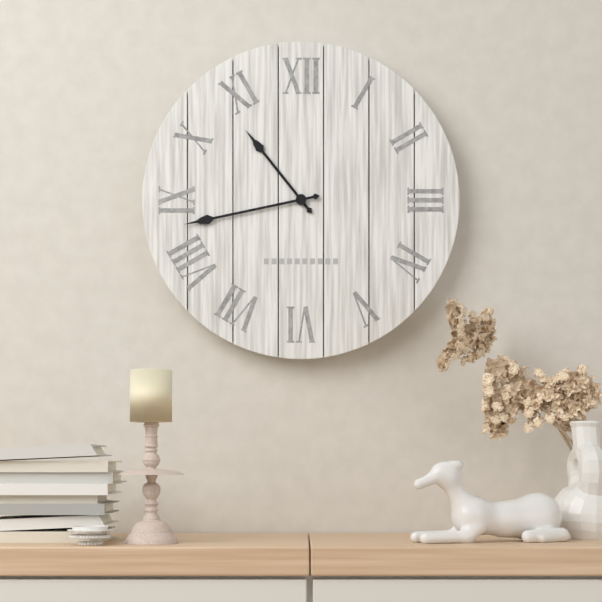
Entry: 10:43
